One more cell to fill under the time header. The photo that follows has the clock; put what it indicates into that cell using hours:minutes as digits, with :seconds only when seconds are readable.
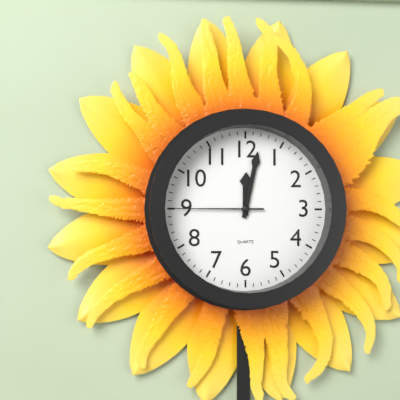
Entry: 12:02:45
